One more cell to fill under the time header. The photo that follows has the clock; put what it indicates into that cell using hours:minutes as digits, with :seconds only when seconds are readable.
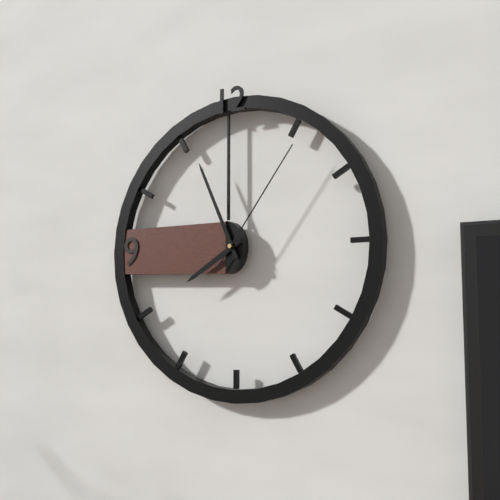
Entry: 7:56:06
